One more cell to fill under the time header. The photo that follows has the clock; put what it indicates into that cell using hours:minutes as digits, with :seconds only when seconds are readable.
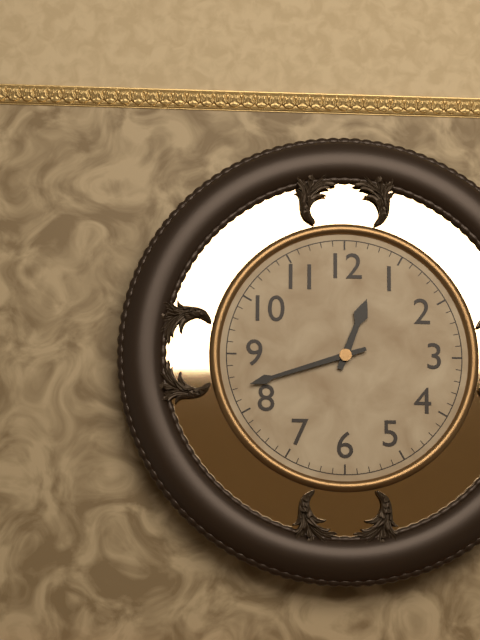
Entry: 12:42
